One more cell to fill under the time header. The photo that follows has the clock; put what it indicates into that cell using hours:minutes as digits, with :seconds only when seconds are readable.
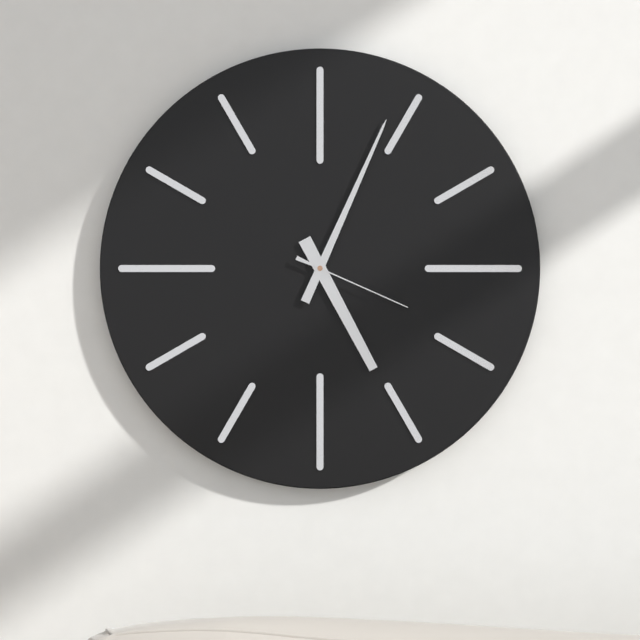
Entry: 5:04:19
